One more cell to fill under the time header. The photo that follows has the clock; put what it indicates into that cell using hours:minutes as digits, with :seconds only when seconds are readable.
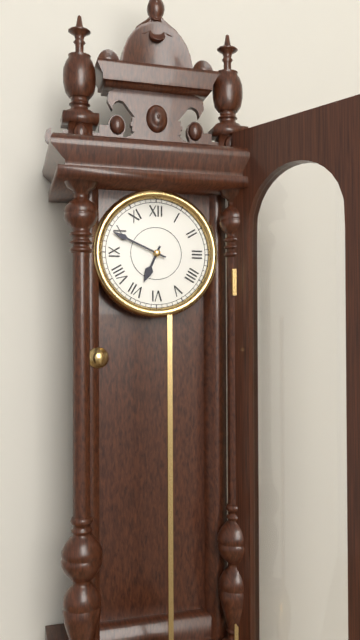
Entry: 6:49
